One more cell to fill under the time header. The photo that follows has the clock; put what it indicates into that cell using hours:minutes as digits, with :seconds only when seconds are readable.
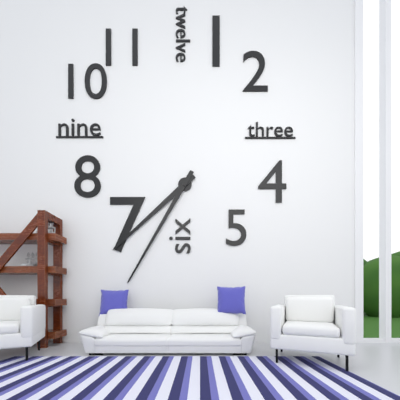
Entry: 7:35
